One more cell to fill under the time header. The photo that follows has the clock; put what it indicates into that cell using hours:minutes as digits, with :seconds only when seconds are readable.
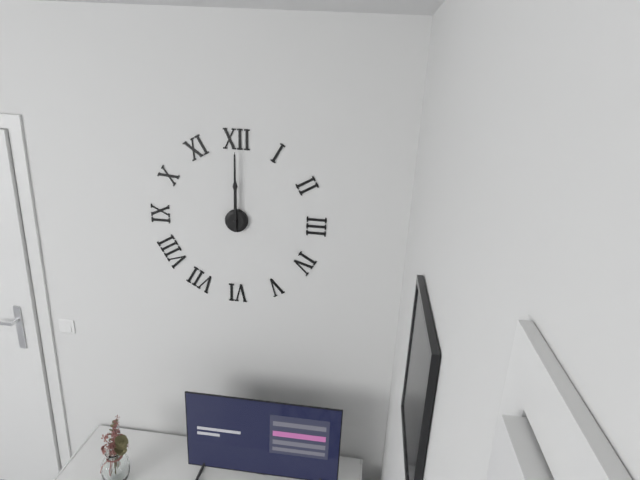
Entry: 12:00
